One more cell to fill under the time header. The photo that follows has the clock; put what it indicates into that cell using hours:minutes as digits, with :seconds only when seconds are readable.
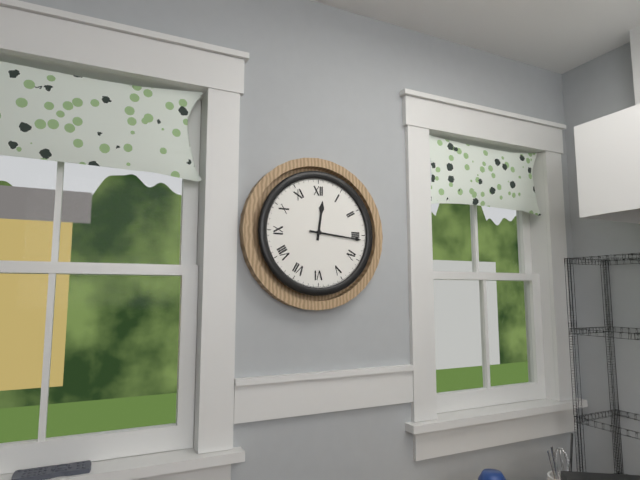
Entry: 12:16
